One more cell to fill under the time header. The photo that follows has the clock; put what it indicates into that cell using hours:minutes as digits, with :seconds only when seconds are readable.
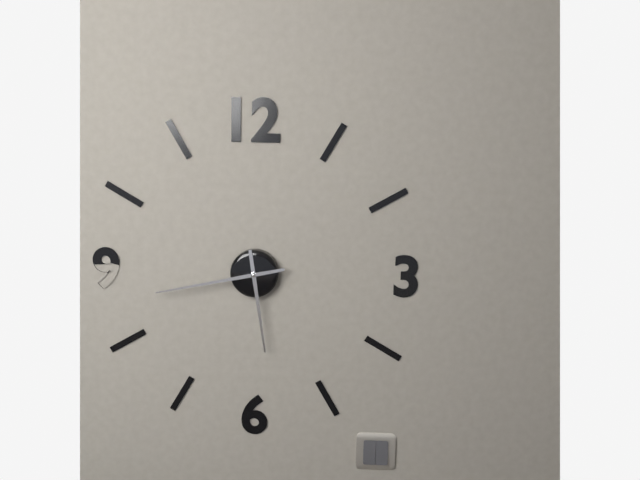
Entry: 5:43
